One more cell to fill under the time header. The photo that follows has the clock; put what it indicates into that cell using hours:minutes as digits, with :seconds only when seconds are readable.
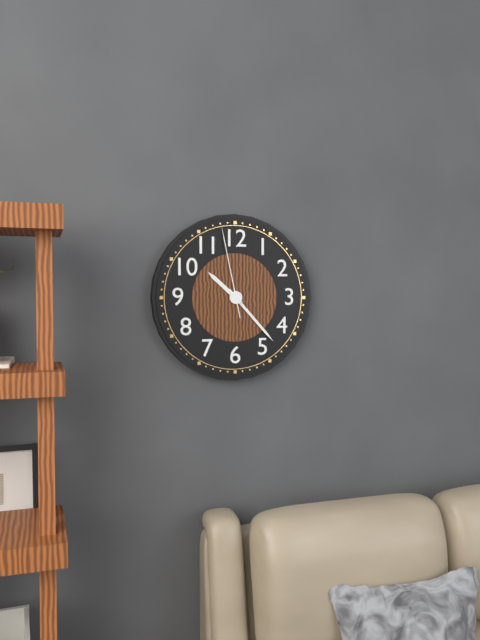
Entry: 10:23:58
